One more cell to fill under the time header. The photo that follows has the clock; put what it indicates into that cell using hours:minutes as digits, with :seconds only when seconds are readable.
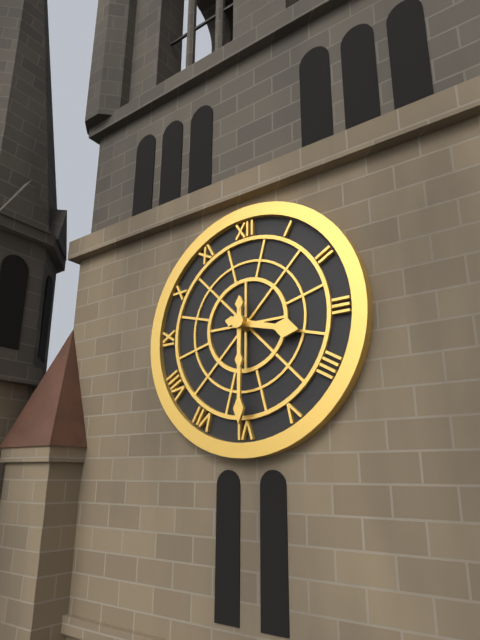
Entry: 3:30
